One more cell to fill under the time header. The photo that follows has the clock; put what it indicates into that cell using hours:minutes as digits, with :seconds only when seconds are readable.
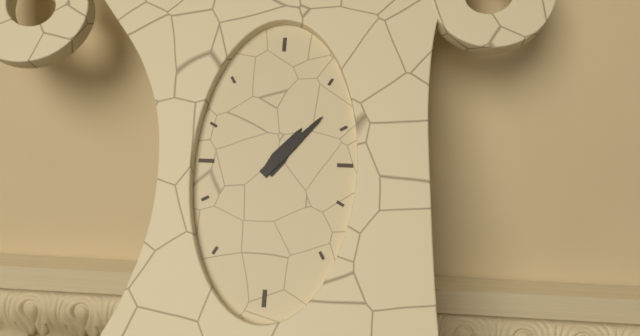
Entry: 1:07
